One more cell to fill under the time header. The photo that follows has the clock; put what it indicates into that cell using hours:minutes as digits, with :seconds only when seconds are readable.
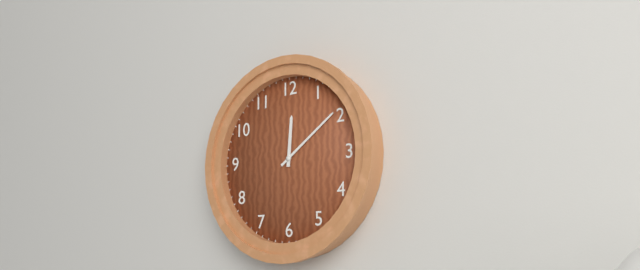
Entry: 12:09
